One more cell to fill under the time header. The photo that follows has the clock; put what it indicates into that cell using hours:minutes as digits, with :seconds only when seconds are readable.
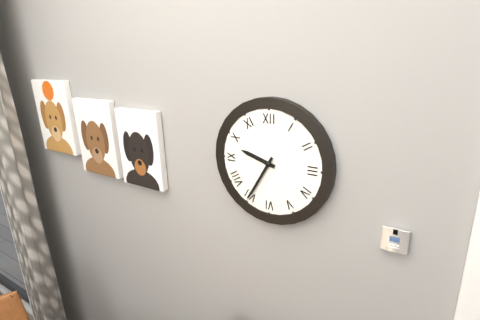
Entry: 9:35
